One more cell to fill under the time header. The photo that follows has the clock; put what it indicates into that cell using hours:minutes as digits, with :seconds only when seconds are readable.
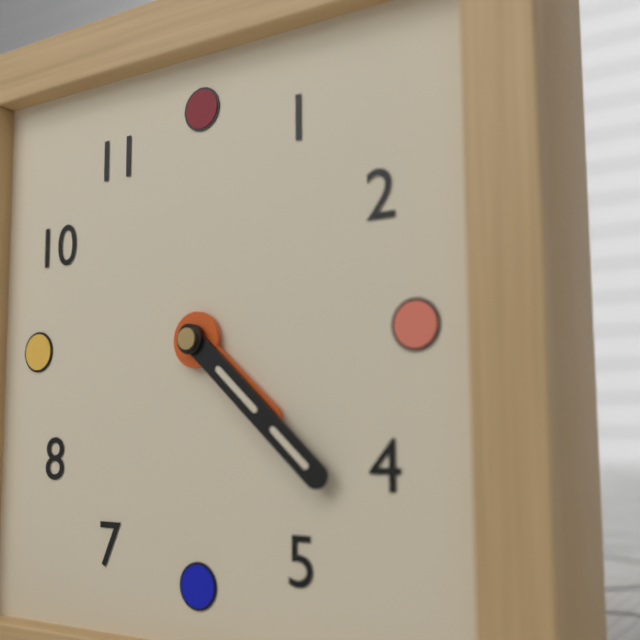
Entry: 4:22
